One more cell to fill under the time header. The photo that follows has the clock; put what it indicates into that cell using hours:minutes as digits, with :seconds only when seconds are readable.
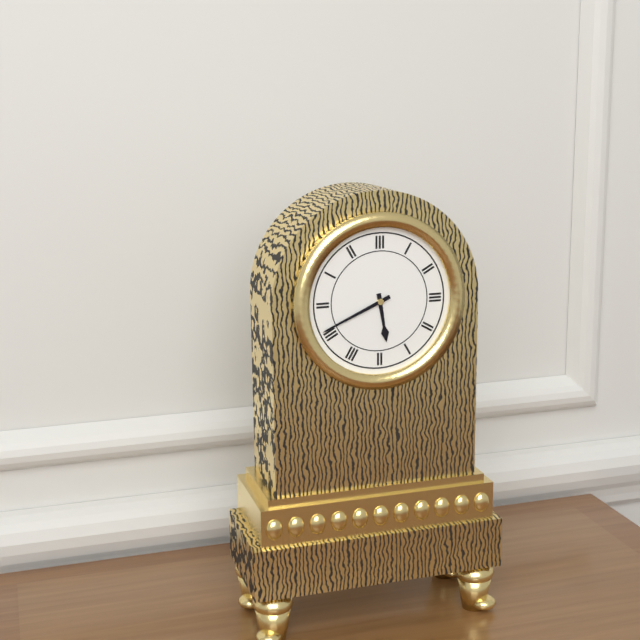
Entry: 5:41
